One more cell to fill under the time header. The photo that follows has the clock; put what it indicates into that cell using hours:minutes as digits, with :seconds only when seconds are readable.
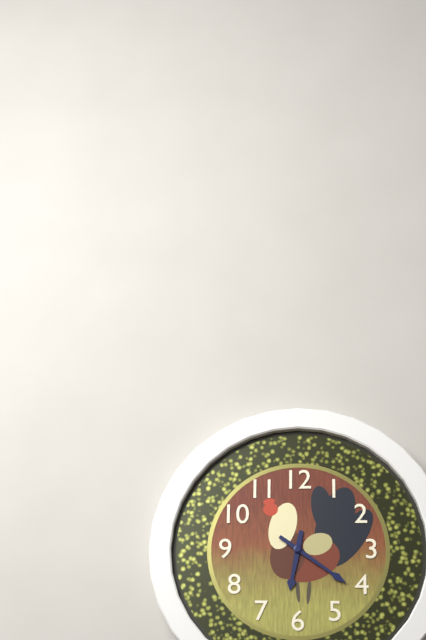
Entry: 6:21
